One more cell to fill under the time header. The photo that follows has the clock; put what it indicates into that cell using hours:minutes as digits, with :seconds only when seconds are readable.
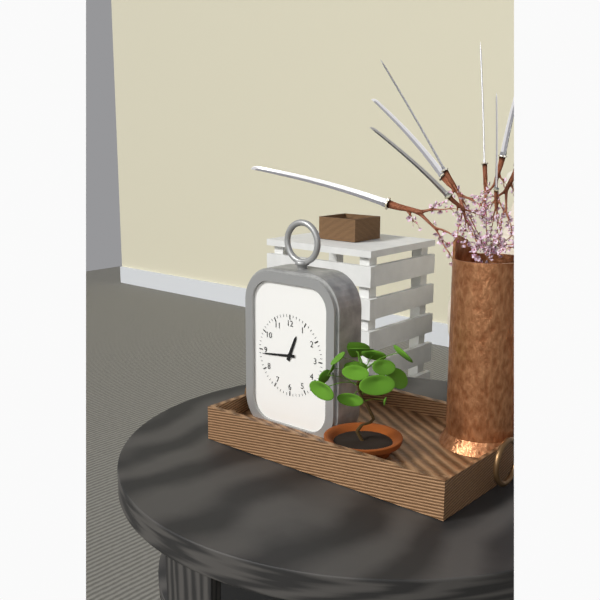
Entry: 12:44
